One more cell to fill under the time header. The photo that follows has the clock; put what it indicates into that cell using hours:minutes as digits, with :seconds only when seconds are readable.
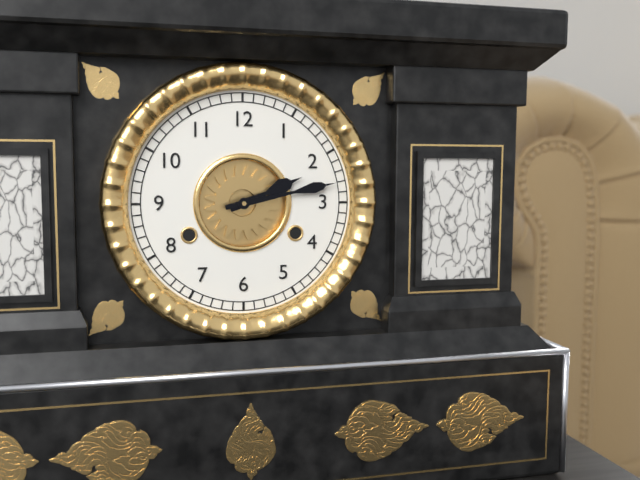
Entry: 2:13
